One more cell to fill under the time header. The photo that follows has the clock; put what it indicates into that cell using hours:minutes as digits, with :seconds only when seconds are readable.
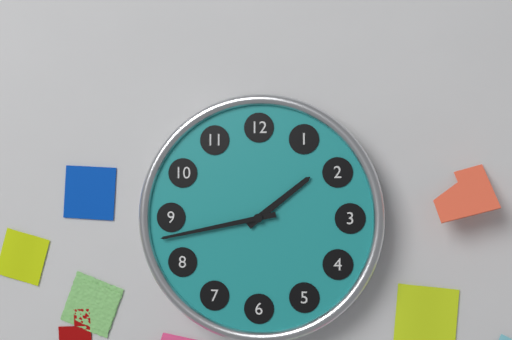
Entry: 1:43
